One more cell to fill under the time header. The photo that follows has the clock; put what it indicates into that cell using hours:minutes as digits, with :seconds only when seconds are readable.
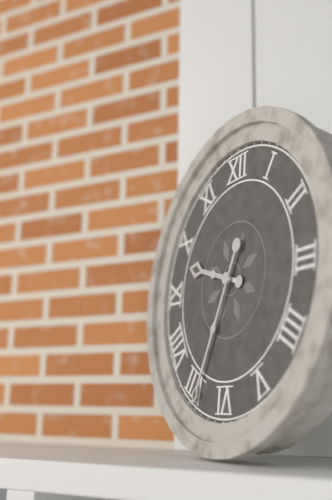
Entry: 9:34
